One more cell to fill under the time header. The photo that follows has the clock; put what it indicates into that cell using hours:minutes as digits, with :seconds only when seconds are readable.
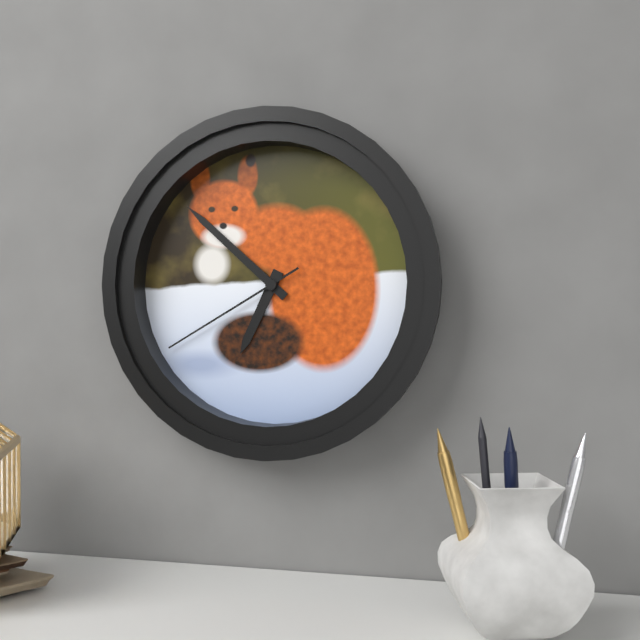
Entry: 6:52:40
